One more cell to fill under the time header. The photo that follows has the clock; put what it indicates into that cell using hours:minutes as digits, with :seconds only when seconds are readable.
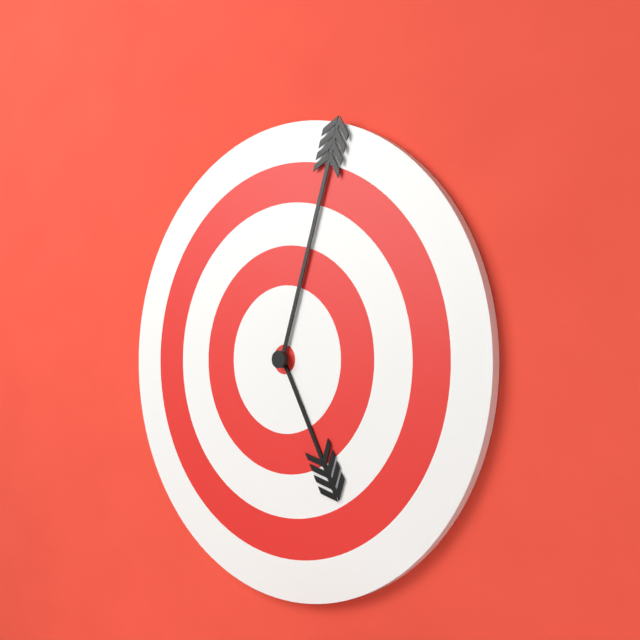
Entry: 5:03
